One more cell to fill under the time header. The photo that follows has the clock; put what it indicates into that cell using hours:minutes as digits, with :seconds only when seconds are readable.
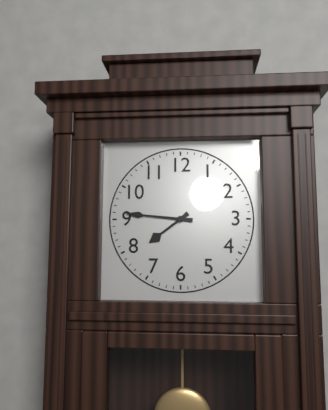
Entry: 7:46
